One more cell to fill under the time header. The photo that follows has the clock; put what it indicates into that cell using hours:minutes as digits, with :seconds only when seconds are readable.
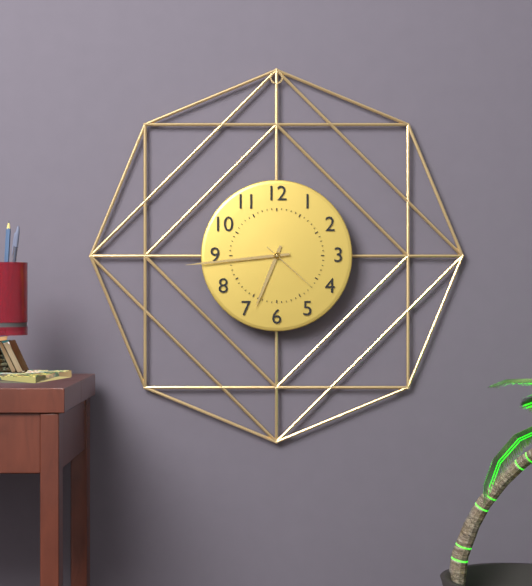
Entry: 6:44:22
